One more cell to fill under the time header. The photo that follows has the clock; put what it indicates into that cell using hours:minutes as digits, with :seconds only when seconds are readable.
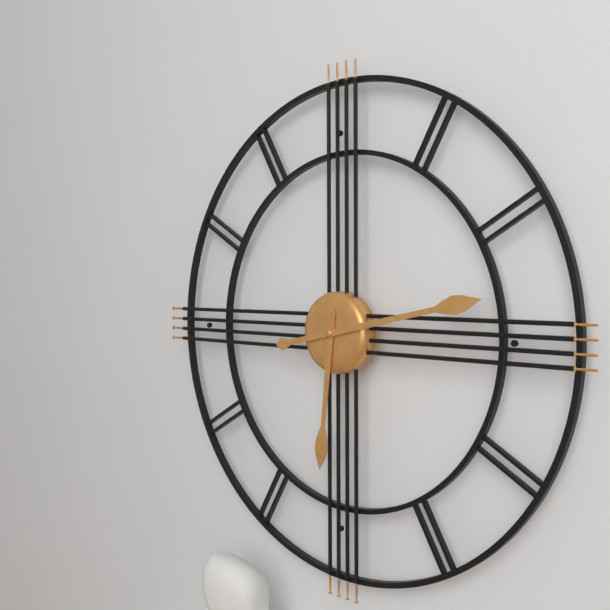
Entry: 6:13
